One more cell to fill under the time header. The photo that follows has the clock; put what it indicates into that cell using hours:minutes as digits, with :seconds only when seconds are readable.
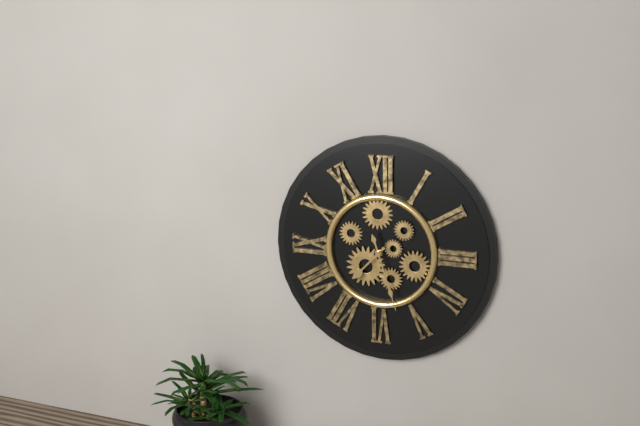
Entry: 7:27
